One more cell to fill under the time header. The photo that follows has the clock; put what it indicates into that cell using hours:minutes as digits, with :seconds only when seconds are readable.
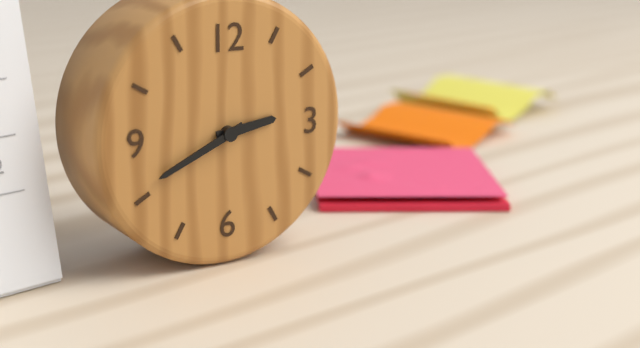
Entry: 2:41
